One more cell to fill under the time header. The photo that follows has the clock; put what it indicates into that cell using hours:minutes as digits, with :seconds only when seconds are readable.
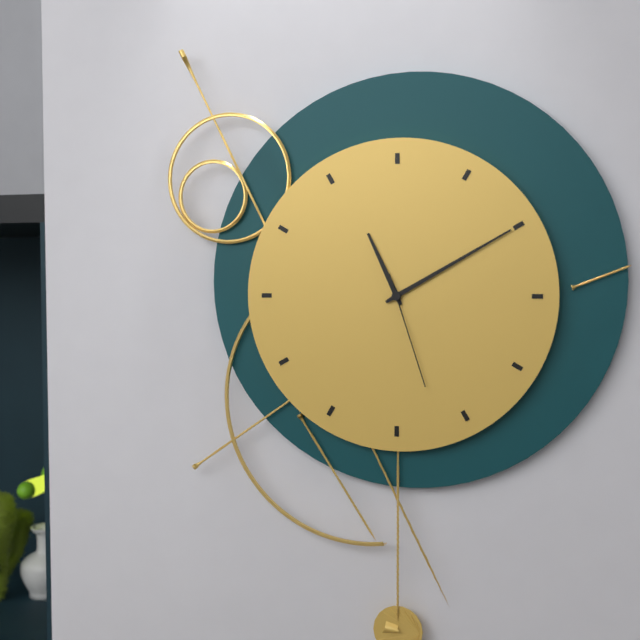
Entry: 11:10:27
